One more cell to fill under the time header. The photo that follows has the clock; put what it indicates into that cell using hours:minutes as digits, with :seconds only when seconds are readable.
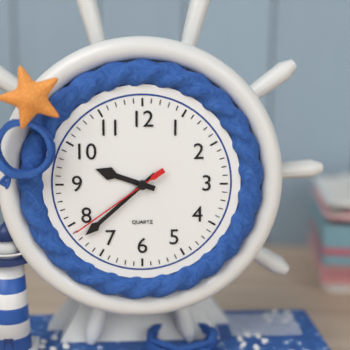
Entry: 9:38:39
